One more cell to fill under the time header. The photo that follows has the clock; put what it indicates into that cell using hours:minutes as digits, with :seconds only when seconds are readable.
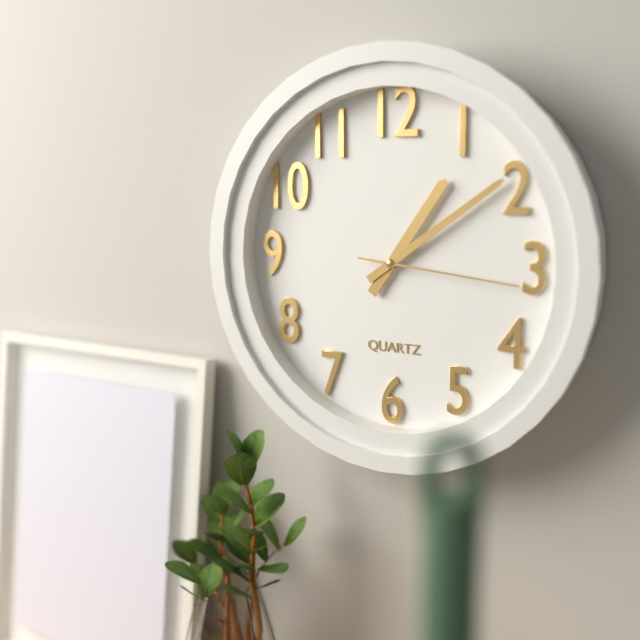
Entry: 1:09:16
